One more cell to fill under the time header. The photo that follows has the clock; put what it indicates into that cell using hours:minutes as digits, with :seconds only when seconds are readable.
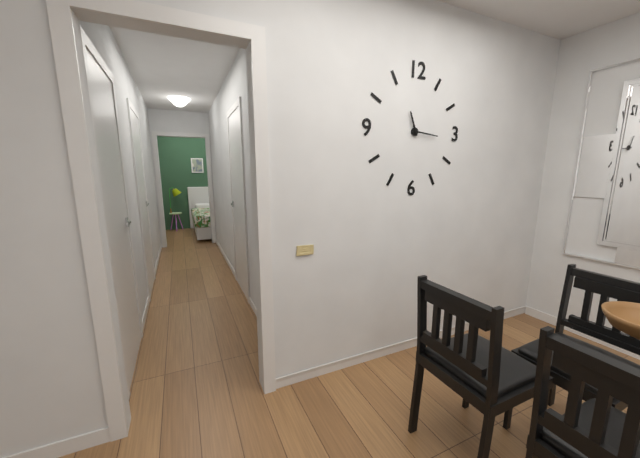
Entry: 11:16
